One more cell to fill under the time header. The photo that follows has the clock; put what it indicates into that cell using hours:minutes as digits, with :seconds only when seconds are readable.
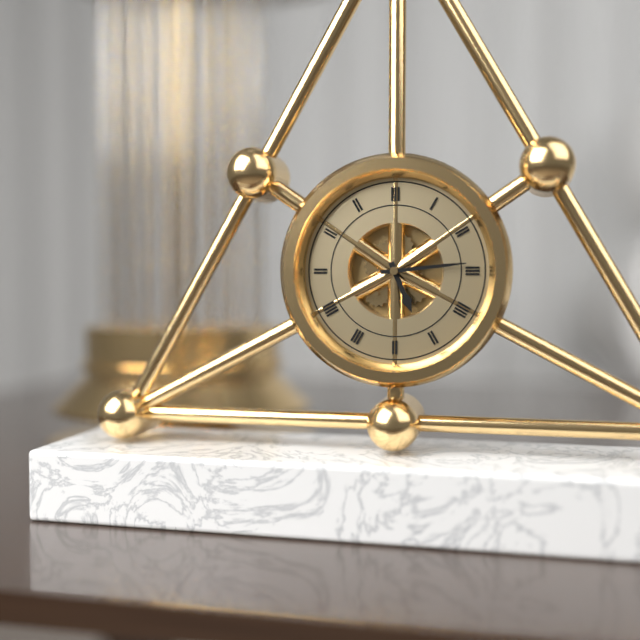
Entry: 5:14
